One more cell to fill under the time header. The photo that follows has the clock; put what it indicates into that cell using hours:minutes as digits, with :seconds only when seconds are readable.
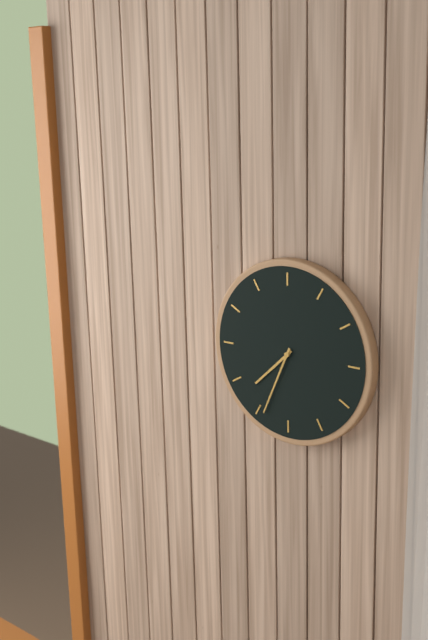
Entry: 7:34
